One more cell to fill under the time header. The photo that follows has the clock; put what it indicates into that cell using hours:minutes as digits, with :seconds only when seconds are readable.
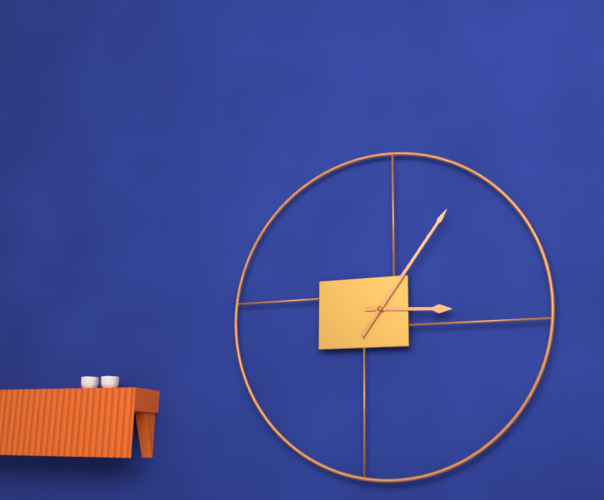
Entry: 3:06
